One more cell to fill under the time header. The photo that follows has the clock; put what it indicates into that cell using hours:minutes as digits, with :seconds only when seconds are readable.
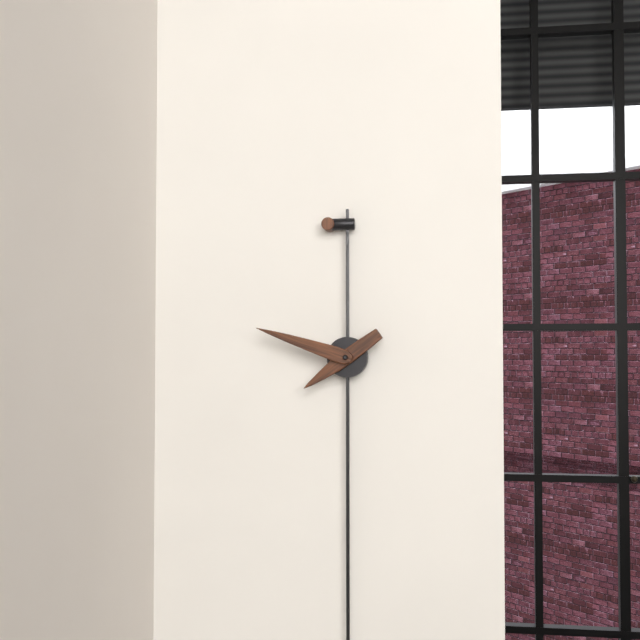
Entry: 7:48
